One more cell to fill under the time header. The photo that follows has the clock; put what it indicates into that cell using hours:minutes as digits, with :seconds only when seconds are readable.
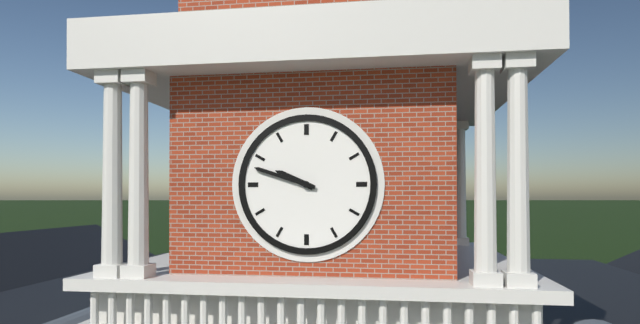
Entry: 9:48
